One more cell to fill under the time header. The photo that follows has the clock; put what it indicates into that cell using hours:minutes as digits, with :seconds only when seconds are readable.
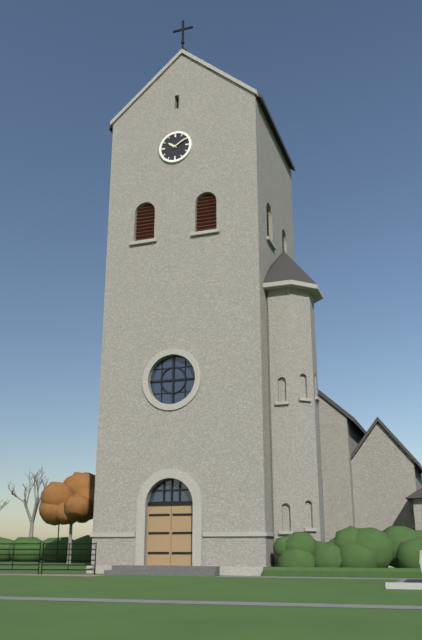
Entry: 10:10
